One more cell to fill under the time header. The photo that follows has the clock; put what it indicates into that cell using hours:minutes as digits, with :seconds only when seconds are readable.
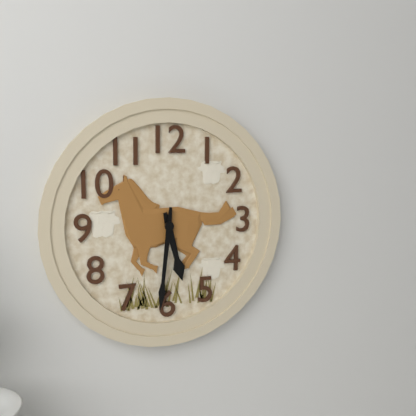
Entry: 5:31
